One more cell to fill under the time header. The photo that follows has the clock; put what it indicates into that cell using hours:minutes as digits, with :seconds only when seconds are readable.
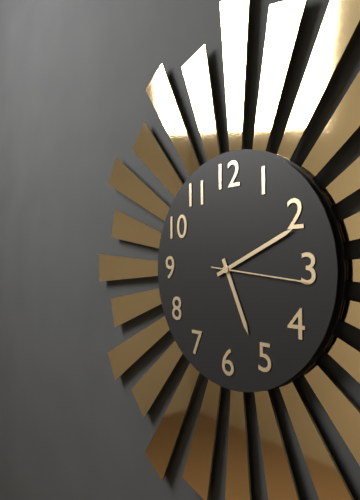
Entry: 5:11:16
